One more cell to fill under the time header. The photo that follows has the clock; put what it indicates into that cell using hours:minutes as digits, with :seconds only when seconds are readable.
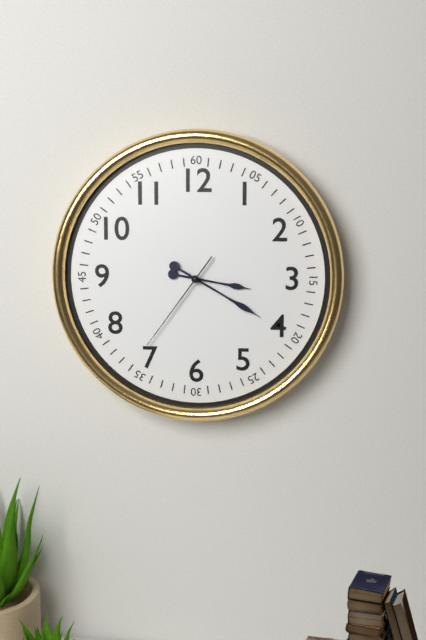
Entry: 3:20:36
